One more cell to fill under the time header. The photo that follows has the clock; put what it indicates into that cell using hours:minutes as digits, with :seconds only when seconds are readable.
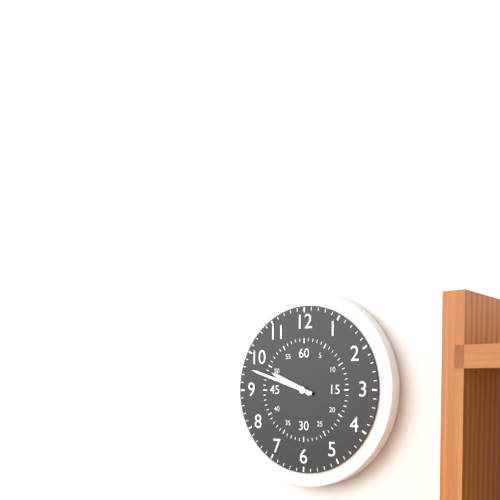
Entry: 9:48
